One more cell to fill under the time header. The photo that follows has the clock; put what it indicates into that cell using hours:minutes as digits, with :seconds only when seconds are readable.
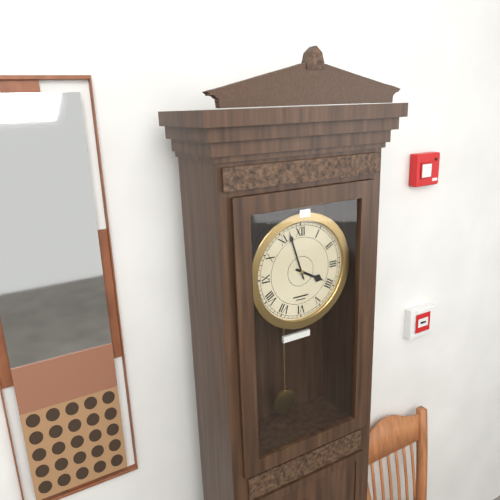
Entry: 3:57
